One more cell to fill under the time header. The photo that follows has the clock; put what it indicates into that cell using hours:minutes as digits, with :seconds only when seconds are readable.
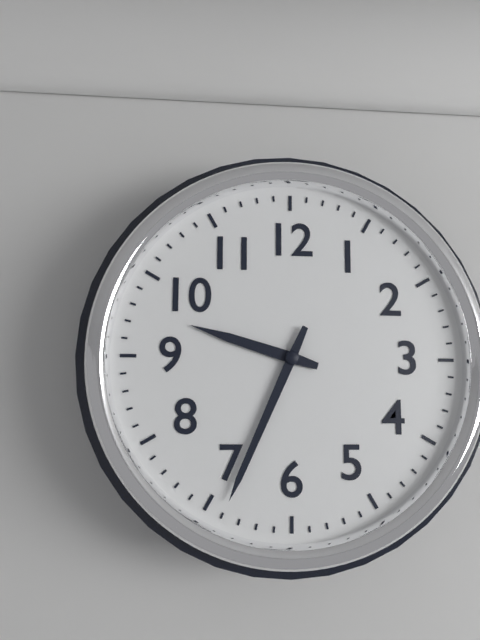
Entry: 9:34
